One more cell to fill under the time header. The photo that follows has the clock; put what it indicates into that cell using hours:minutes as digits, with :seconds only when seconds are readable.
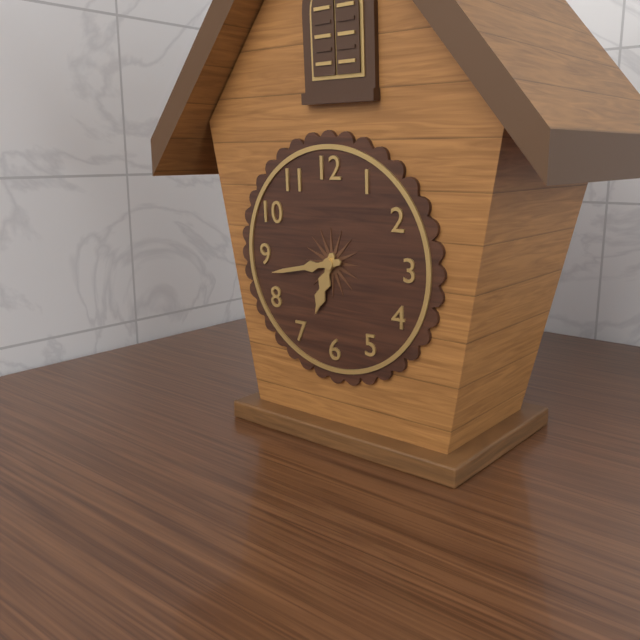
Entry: 6:43
